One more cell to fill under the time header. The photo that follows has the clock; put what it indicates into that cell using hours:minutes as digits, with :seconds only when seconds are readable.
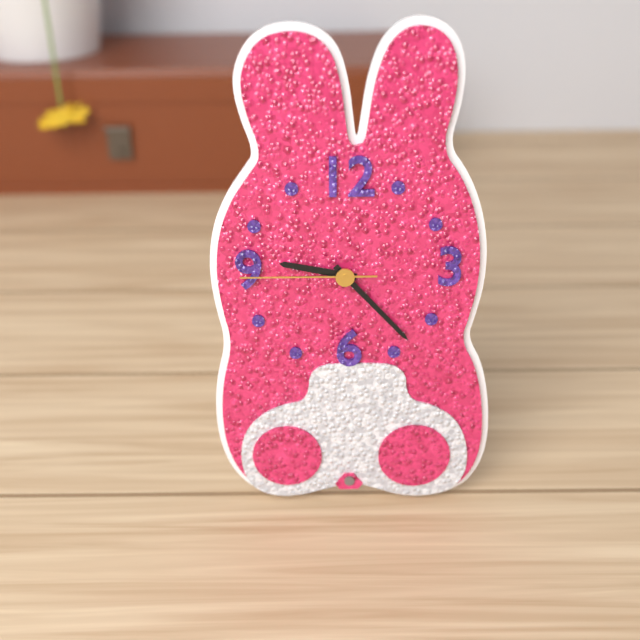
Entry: 9:23:45
